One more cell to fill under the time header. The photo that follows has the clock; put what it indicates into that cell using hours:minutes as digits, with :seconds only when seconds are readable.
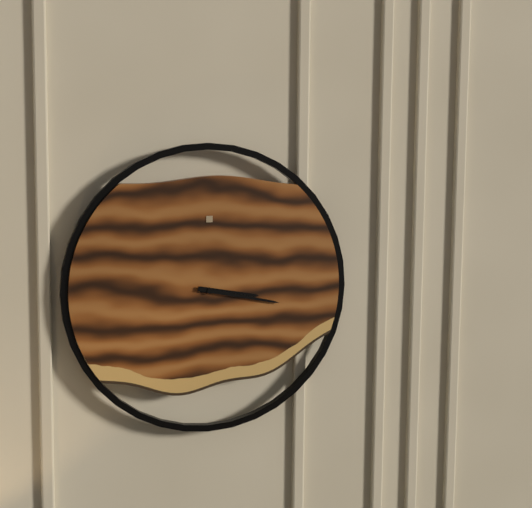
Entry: 3:17
